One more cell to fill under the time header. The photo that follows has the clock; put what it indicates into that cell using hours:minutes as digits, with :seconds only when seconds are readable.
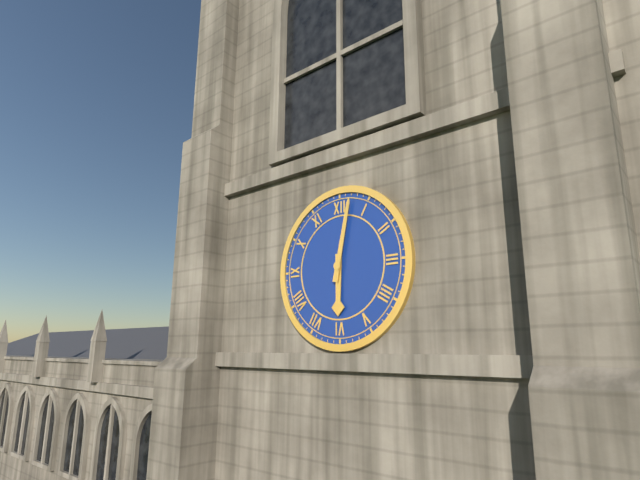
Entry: 6:02
